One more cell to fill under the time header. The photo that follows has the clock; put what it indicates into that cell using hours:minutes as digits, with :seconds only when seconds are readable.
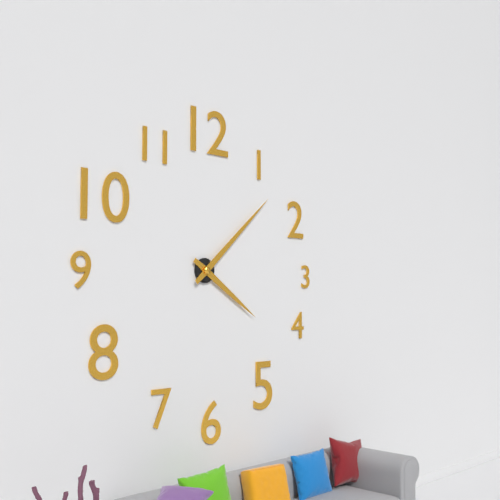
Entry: 4:08
